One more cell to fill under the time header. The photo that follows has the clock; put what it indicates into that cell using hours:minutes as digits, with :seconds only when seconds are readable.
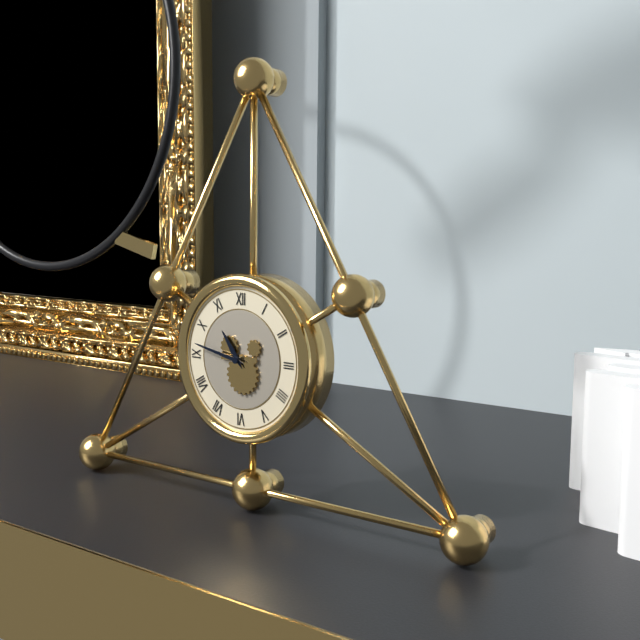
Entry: 10:47
